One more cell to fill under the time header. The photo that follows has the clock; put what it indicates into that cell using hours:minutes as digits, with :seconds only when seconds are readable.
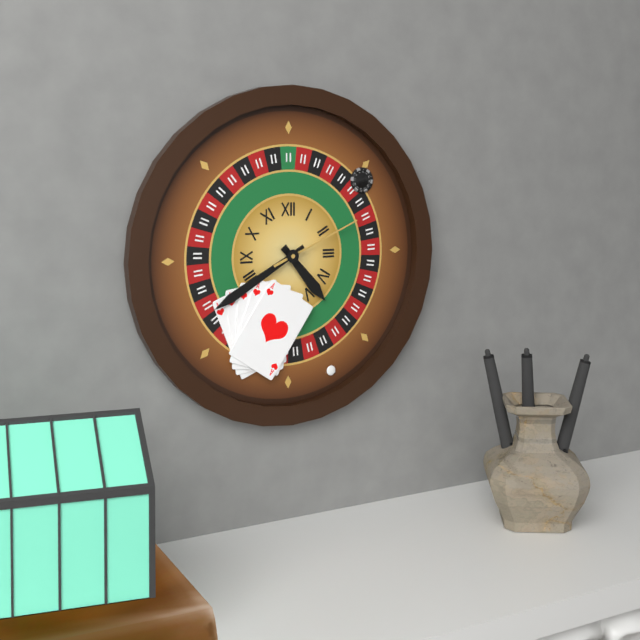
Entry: 4:40:11
